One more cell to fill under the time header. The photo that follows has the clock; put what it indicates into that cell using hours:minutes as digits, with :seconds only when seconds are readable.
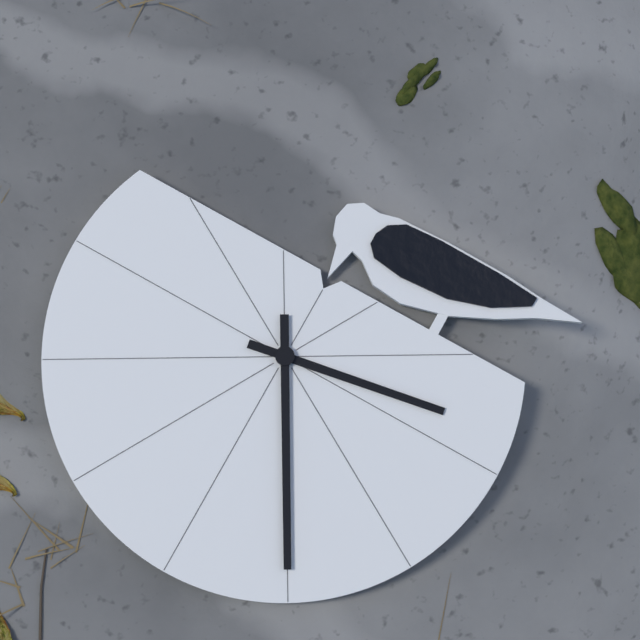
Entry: 5:40
